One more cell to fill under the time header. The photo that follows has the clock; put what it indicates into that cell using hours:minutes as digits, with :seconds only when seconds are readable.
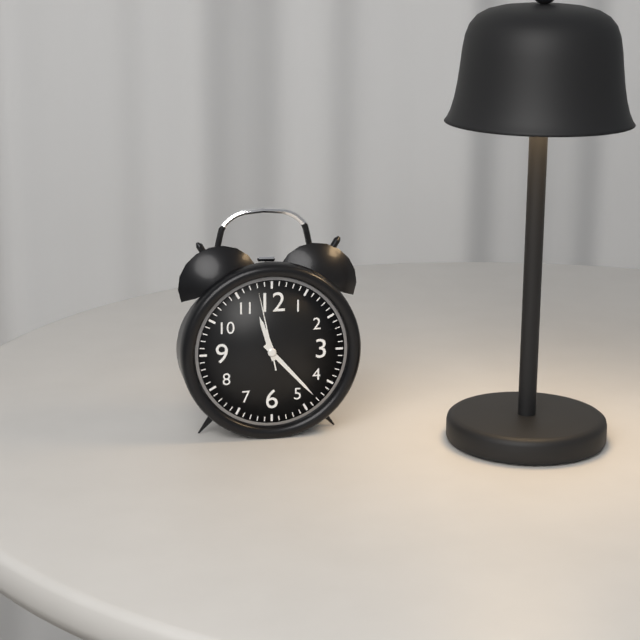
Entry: 11:23:58
